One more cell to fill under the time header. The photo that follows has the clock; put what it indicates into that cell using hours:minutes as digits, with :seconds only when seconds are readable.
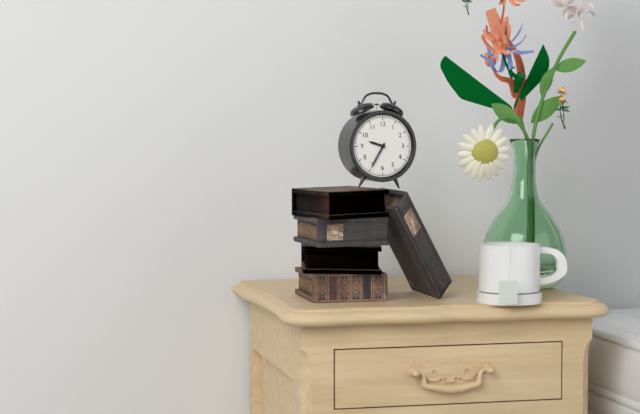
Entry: 9:35
